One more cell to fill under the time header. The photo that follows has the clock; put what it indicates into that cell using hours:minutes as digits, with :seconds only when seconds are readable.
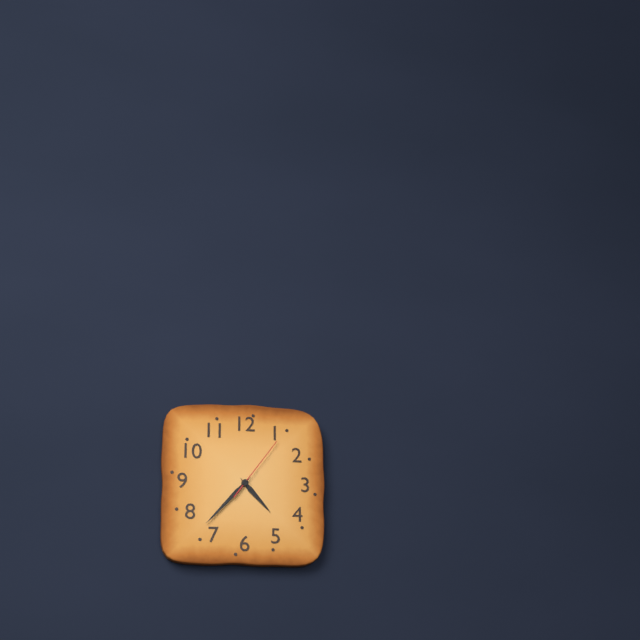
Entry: 4:37:06
